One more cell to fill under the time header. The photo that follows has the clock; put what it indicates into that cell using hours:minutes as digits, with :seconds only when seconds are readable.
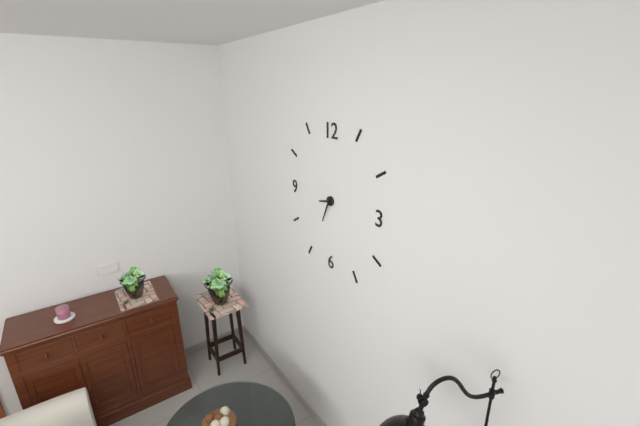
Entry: 8:34
